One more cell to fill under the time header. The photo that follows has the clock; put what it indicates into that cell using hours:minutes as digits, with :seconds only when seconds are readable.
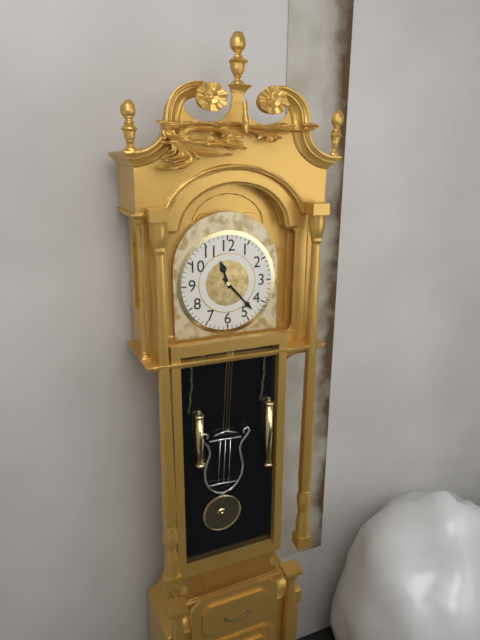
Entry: 11:23
